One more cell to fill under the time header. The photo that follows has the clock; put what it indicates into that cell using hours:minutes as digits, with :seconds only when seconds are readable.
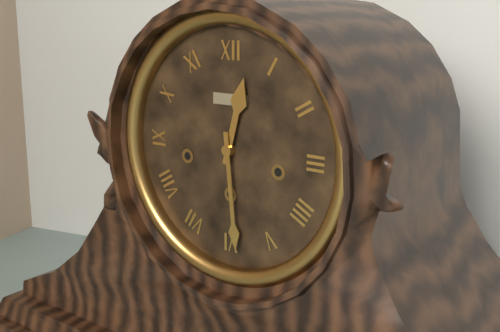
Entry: 12:29
